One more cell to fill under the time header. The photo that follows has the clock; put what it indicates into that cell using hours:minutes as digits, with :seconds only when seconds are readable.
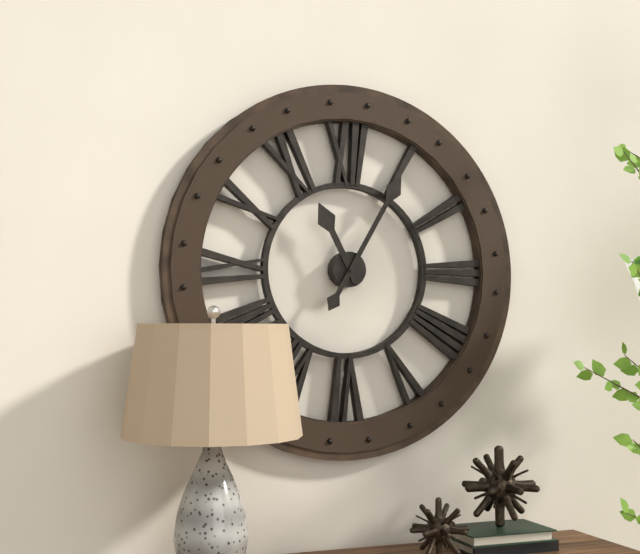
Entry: 11:05
